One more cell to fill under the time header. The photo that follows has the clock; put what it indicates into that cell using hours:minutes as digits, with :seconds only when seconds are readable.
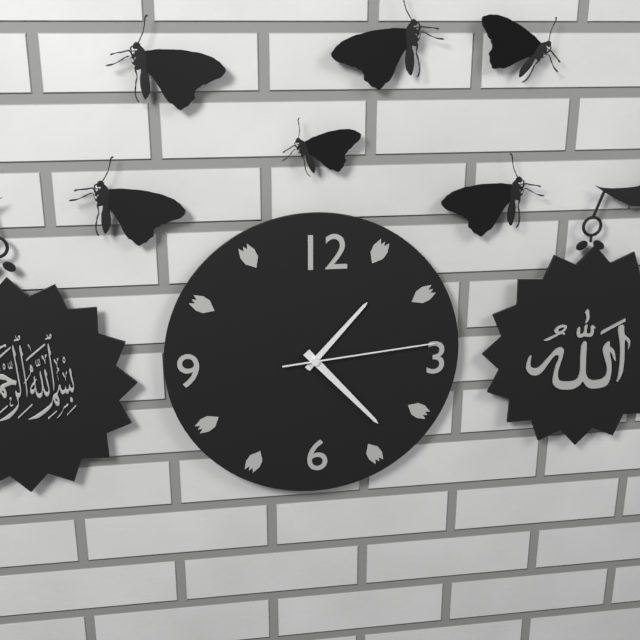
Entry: 1:23:14
